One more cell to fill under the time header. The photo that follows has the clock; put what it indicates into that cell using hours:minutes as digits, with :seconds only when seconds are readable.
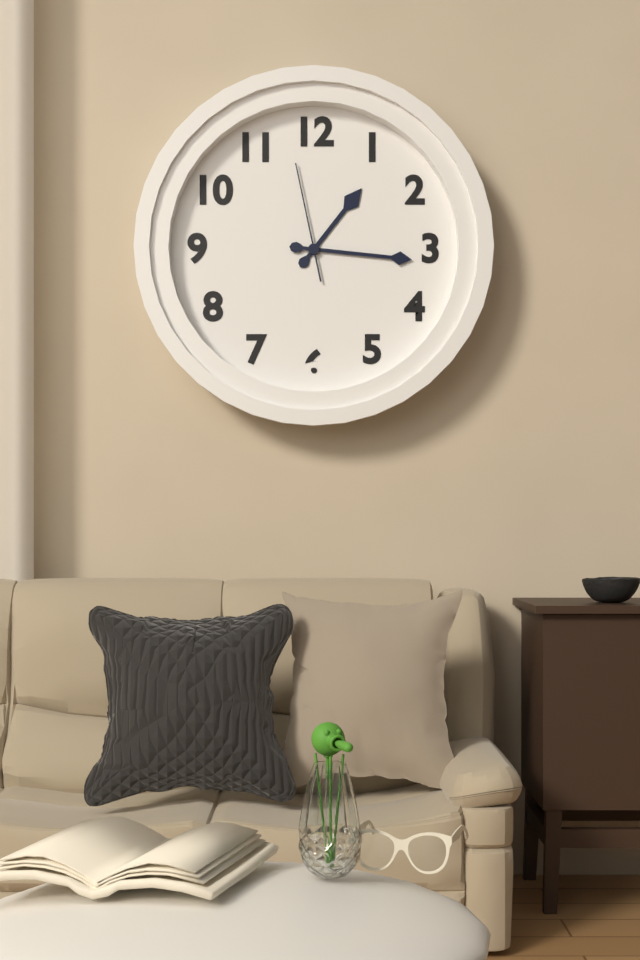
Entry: 1:16:58
